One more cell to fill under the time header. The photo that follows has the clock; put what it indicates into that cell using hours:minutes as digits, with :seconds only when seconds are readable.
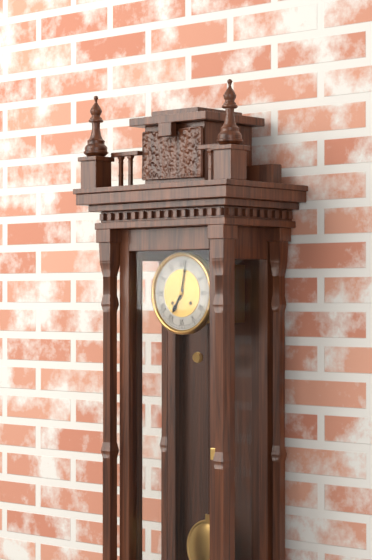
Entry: 7:02
